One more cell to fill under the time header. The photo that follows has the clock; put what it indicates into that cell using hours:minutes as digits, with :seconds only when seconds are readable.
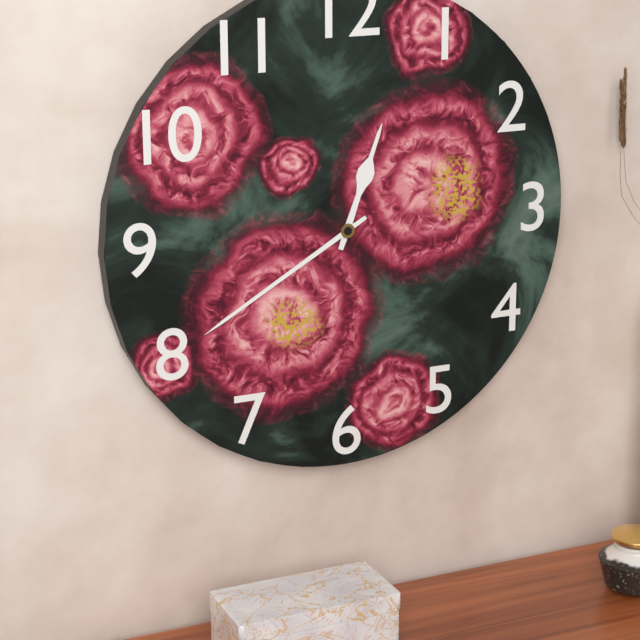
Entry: 12:40
